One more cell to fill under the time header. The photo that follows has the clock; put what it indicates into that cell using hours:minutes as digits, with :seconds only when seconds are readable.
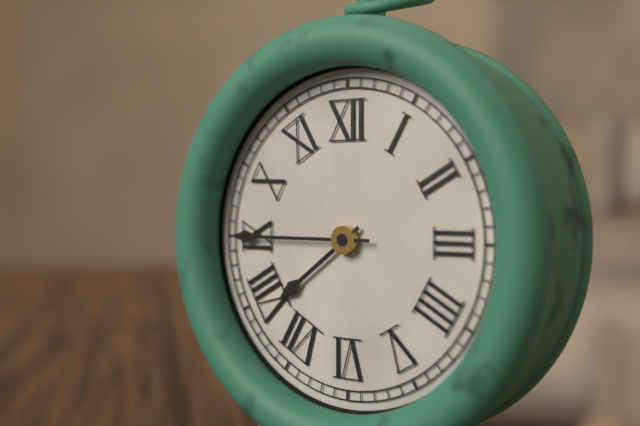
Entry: 7:45
